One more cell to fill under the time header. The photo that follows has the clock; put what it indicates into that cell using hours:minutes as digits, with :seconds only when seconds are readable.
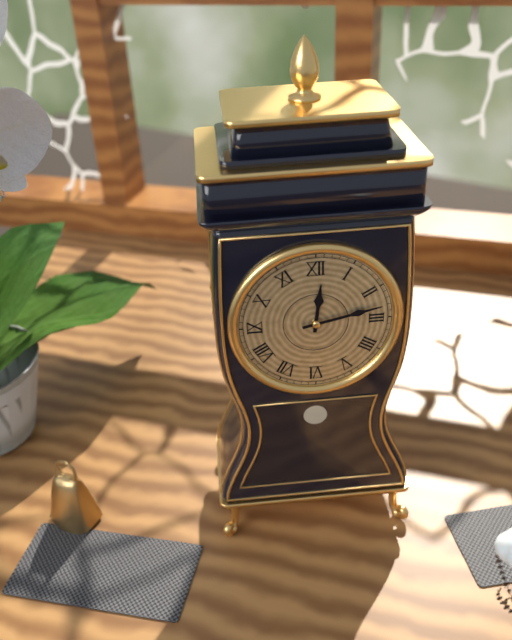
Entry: 12:13
